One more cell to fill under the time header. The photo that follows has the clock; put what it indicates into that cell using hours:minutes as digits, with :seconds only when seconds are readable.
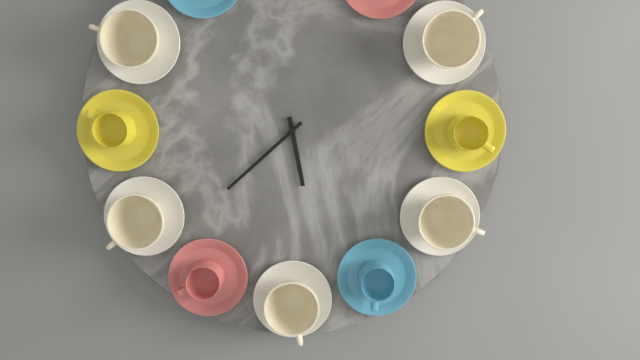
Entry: 5:38
